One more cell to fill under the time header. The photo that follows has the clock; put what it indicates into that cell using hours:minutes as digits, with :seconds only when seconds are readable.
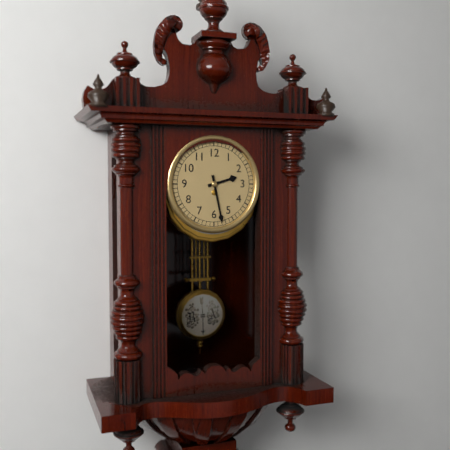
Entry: 2:28
